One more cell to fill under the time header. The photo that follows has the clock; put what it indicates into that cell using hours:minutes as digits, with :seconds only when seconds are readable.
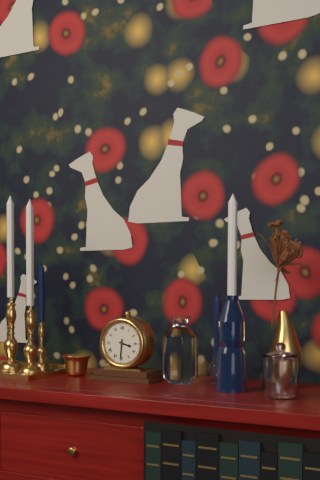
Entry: 3:31
